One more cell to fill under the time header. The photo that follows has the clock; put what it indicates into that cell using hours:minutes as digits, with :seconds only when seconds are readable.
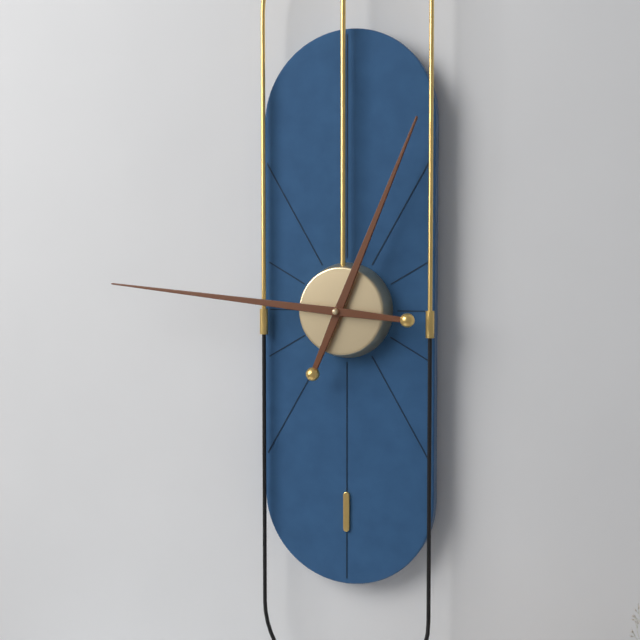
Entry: 12:46
